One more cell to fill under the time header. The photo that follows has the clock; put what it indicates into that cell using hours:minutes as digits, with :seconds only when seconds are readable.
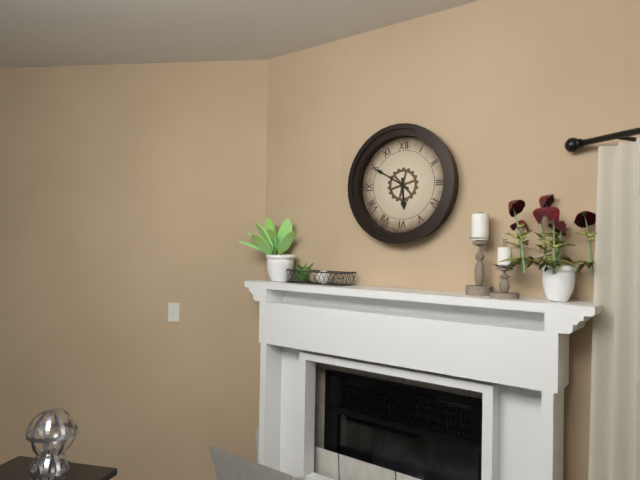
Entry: 5:50
